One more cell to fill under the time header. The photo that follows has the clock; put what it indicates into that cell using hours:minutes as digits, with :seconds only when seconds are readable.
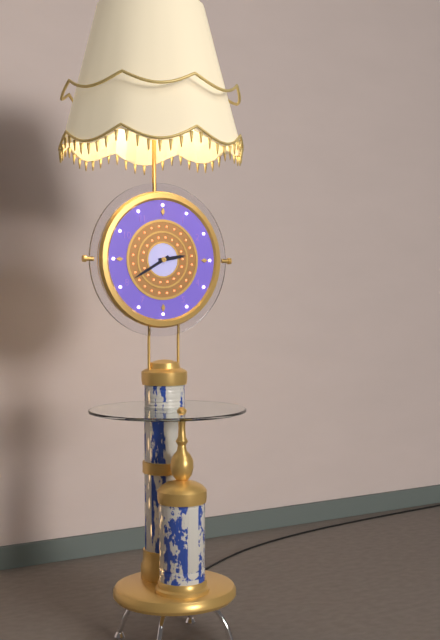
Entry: 2:40
